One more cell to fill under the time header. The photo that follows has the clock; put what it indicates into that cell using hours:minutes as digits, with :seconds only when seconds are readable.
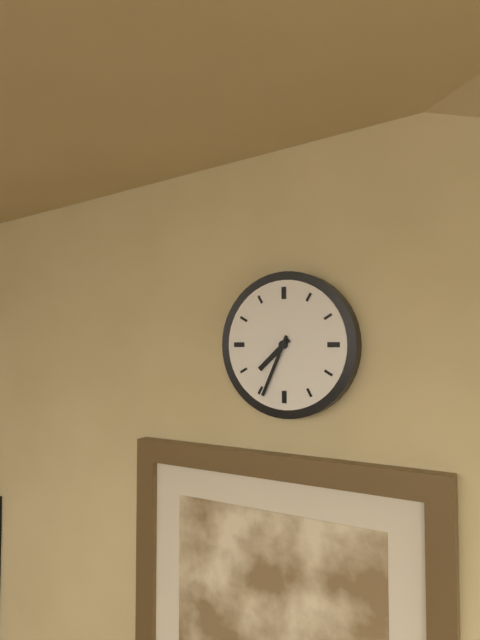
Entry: 7:34
